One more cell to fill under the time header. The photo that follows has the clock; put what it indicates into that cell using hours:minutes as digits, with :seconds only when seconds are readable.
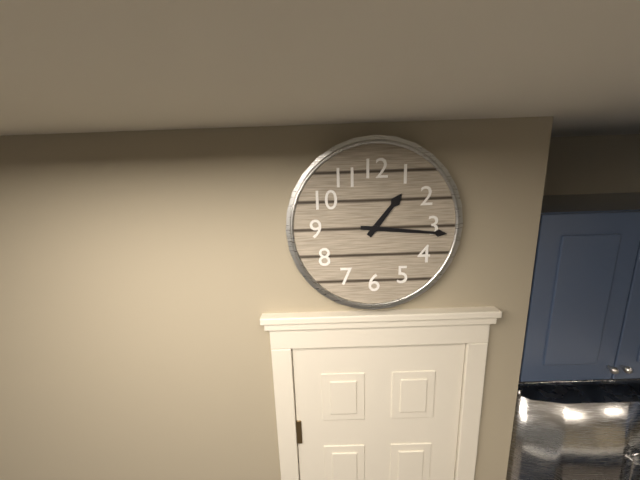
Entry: 1:16
